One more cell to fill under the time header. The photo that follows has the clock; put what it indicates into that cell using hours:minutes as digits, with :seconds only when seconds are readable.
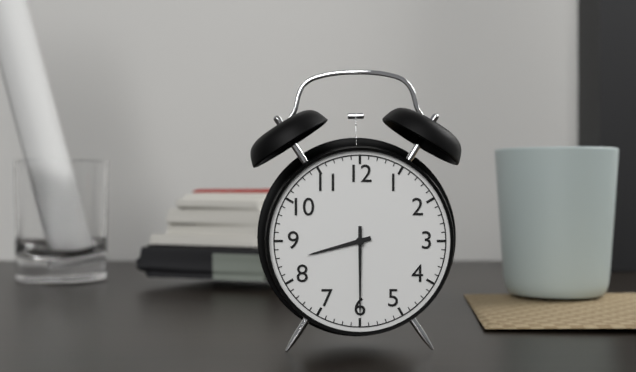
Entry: 8:30
